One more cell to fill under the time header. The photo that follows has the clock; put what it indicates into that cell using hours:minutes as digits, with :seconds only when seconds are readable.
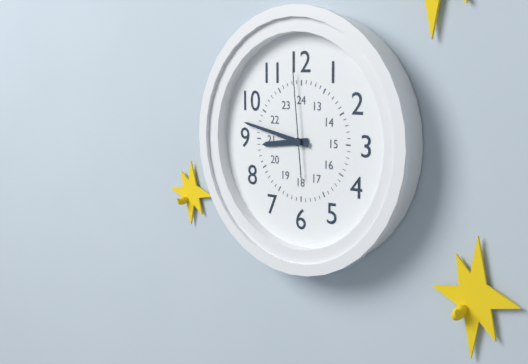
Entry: 8:47:59
